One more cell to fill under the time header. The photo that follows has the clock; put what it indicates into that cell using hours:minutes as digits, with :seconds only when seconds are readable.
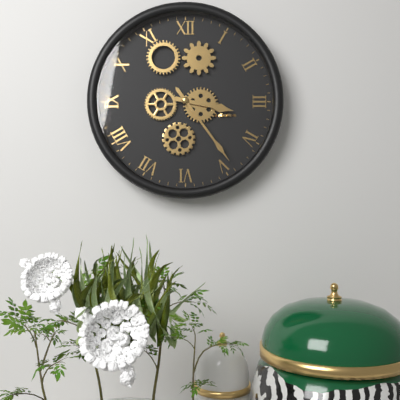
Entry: 3:24
